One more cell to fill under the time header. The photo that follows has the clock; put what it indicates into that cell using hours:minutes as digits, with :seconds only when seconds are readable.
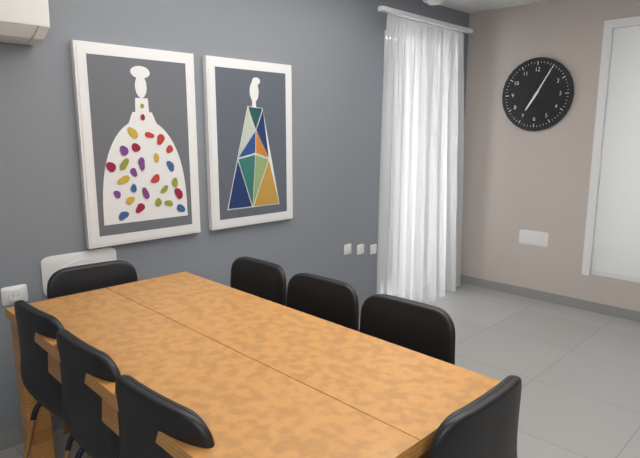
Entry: 7:05
